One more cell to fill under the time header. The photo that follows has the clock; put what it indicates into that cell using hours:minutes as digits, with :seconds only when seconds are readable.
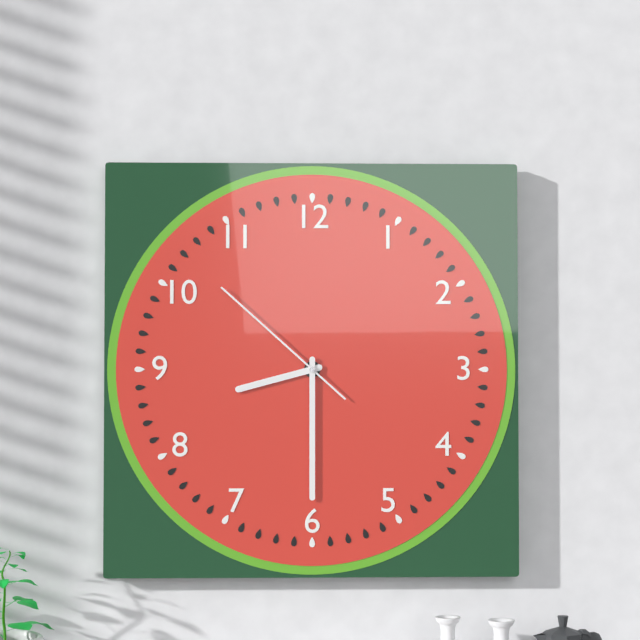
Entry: 8:30:52
